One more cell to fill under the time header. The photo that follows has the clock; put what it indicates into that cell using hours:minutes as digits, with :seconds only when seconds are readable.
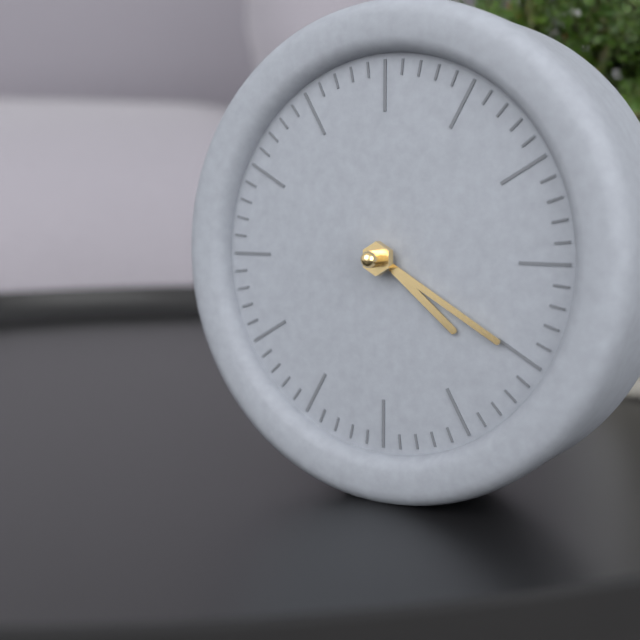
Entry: 4:20
